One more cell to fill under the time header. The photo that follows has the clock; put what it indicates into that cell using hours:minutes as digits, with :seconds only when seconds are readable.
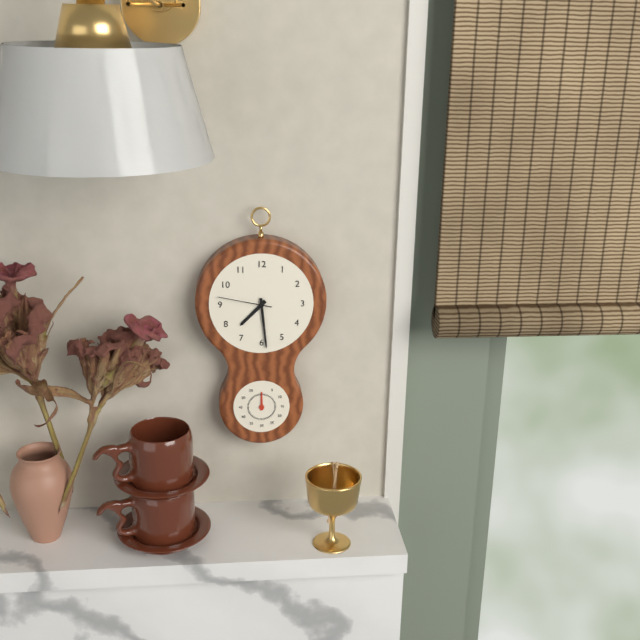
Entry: 7:29:47
